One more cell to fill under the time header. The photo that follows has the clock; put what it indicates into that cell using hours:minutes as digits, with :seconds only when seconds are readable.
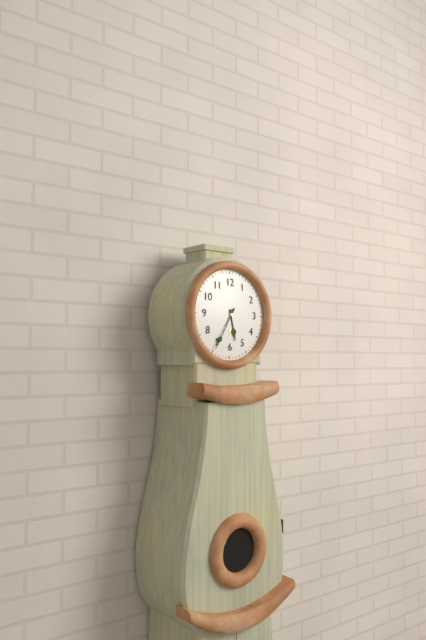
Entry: 5:35
